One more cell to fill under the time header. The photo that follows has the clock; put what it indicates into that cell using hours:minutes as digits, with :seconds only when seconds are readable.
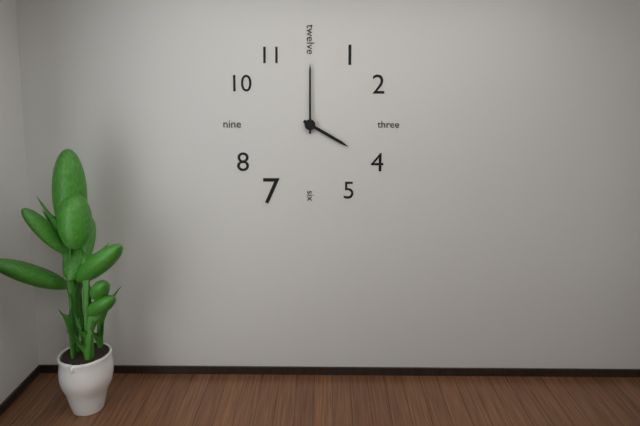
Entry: 4:00
